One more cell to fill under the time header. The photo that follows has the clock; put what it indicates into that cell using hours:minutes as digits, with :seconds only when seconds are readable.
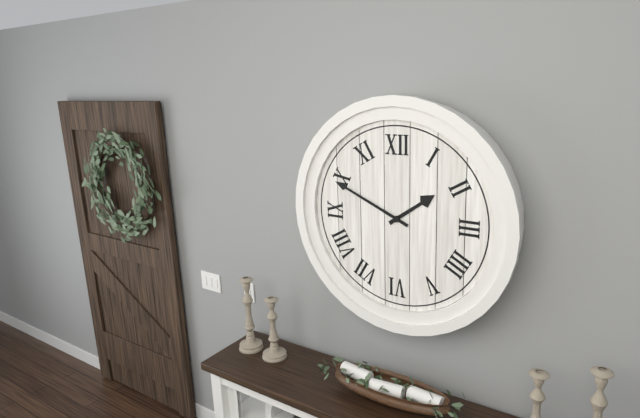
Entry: 1:49
